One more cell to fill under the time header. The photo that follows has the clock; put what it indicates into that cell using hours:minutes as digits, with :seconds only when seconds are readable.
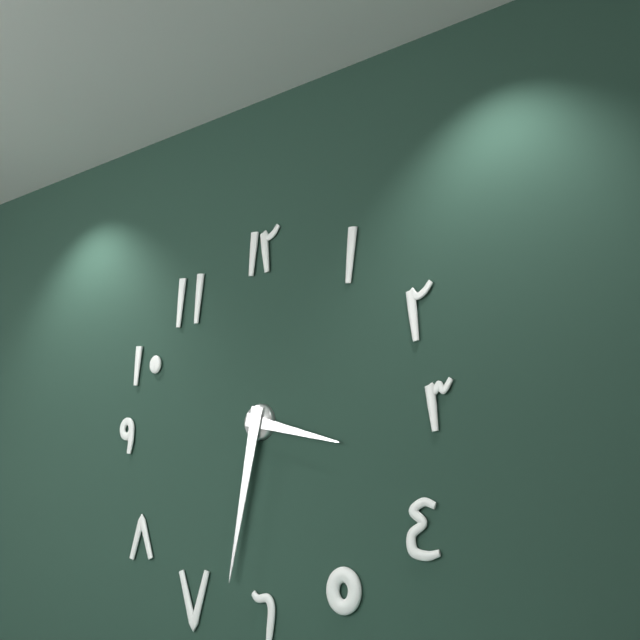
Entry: 3:32
